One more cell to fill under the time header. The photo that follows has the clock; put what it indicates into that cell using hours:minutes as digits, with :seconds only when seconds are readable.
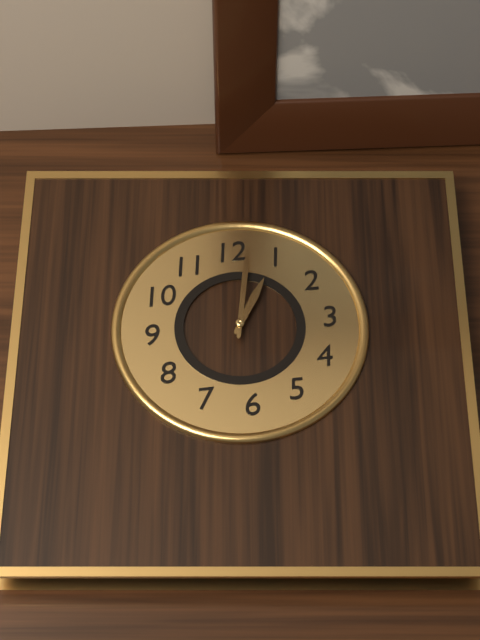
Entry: 1:02
